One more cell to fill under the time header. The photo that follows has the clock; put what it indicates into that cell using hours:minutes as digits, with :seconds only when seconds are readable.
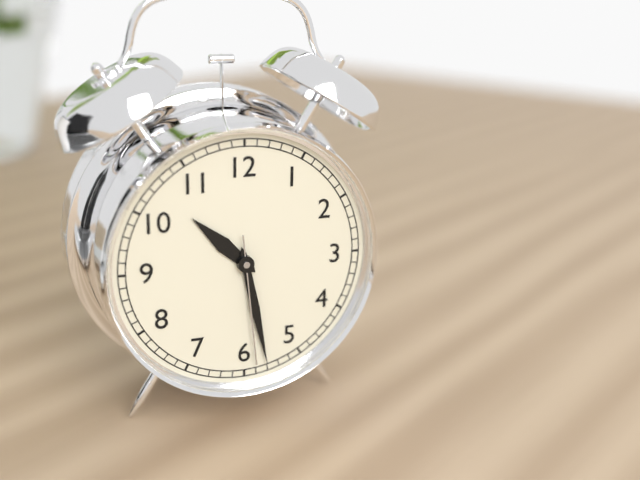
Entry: 10:28:29
